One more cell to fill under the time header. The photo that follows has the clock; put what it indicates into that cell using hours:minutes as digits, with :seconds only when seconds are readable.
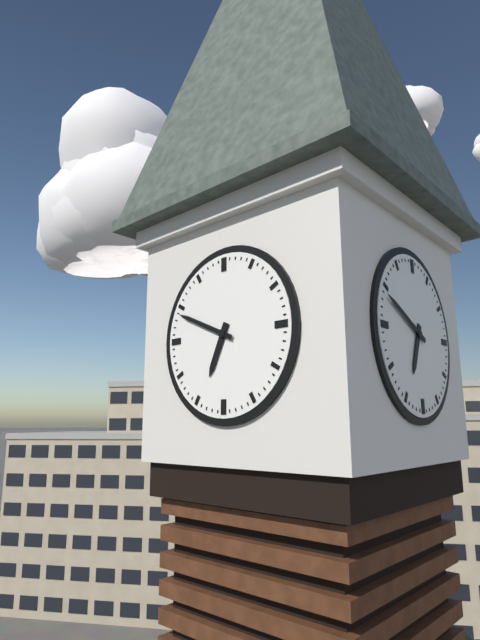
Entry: 6:49
